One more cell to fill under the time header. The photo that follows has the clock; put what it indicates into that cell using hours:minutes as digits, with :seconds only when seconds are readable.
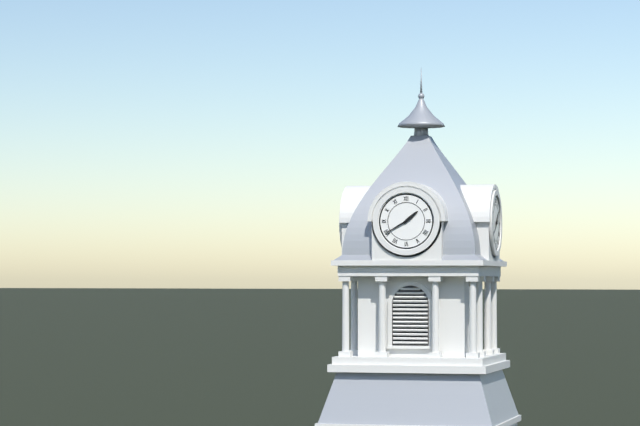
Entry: 1:40
